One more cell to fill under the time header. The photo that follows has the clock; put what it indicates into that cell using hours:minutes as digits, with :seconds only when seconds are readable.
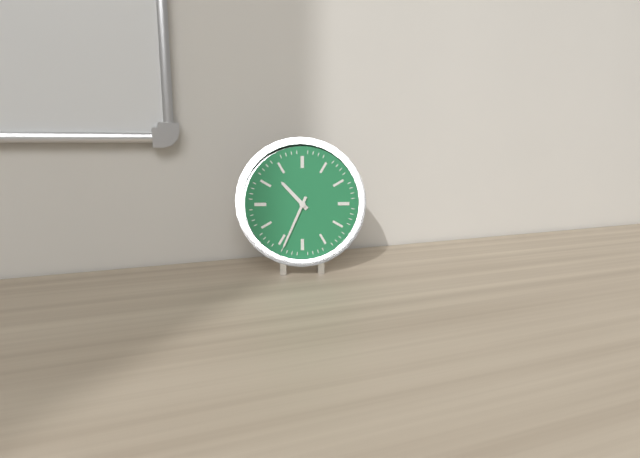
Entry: 10:34
